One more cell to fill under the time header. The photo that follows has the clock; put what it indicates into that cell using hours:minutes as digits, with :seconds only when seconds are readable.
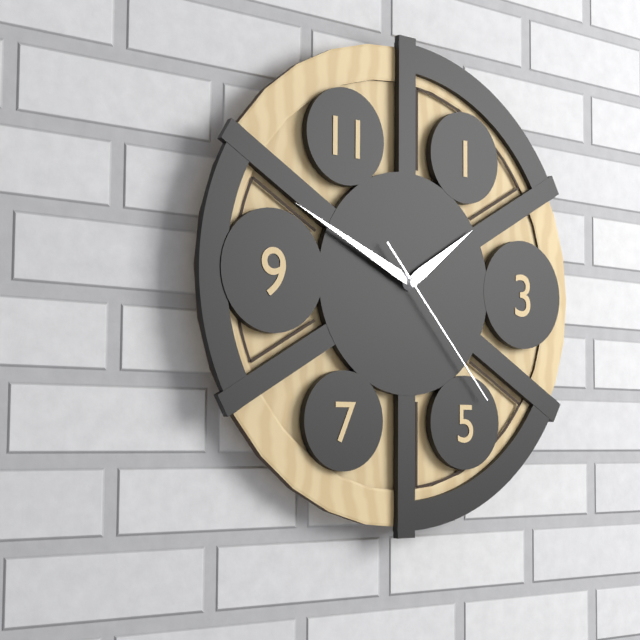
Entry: 1:49:23
